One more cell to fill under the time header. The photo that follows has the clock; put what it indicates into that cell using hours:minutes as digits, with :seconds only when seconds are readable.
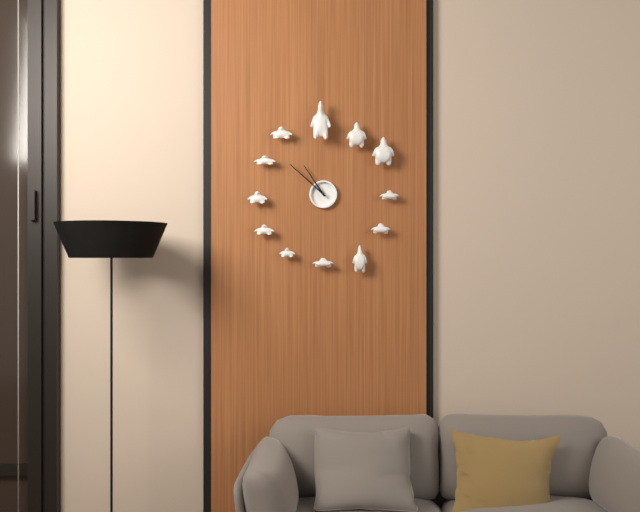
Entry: 10:52
